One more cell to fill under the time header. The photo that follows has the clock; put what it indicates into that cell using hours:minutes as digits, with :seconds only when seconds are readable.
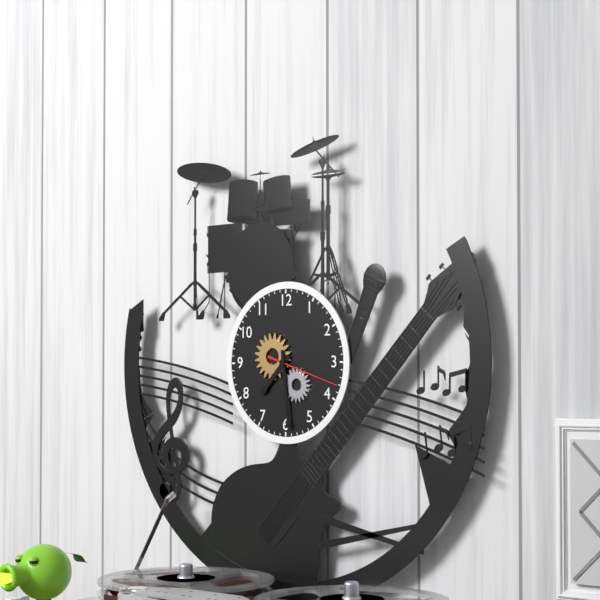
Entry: 7:29:18
